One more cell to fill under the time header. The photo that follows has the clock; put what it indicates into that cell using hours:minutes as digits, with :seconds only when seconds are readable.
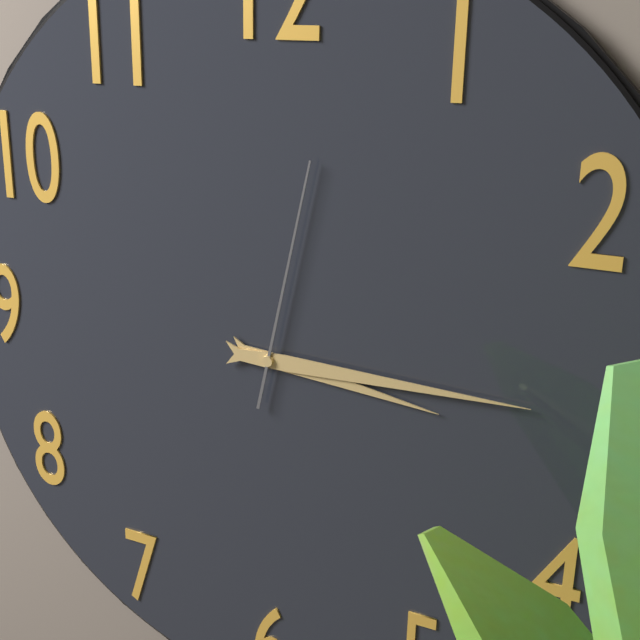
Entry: 3:15:02
